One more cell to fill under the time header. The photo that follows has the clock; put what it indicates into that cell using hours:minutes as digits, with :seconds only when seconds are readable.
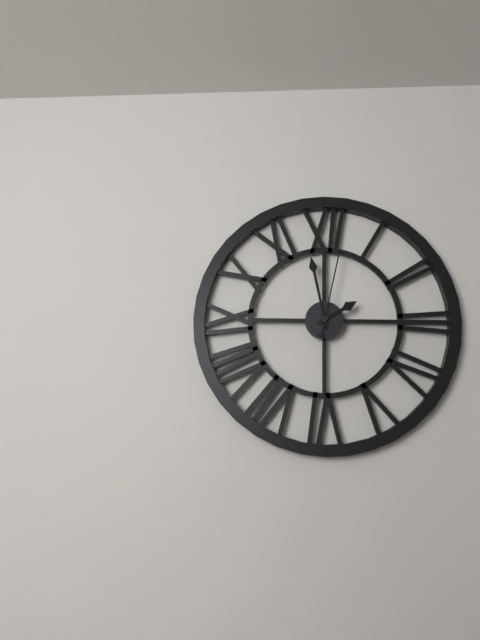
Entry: 1:58:02
